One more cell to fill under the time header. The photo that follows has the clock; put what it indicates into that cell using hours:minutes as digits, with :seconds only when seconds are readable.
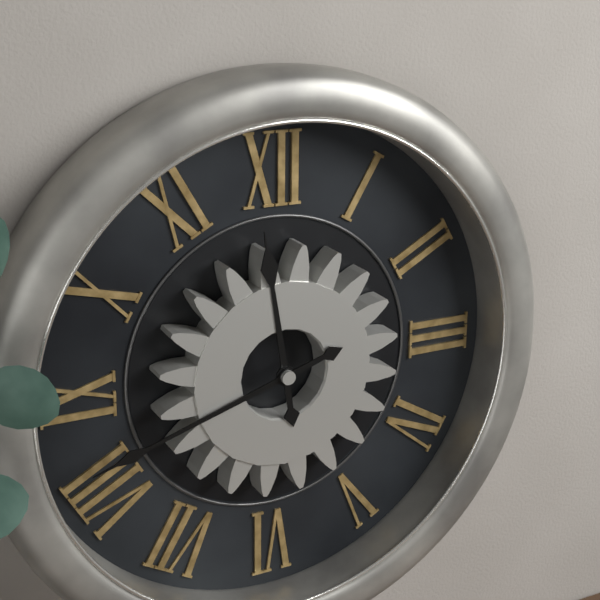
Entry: 11:42
